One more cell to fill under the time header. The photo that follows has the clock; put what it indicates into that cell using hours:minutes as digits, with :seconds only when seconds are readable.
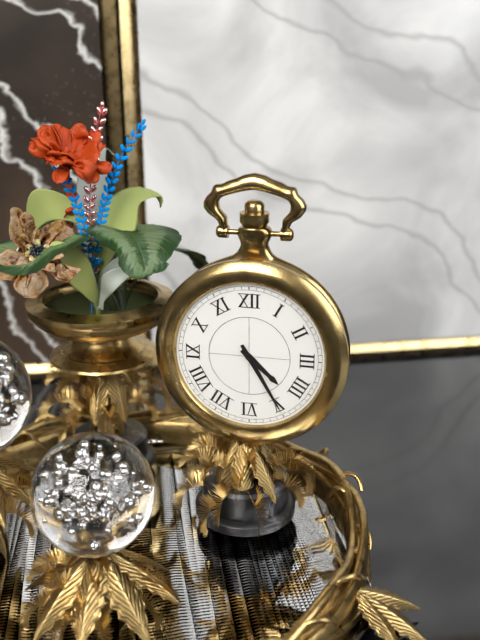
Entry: 4:25
